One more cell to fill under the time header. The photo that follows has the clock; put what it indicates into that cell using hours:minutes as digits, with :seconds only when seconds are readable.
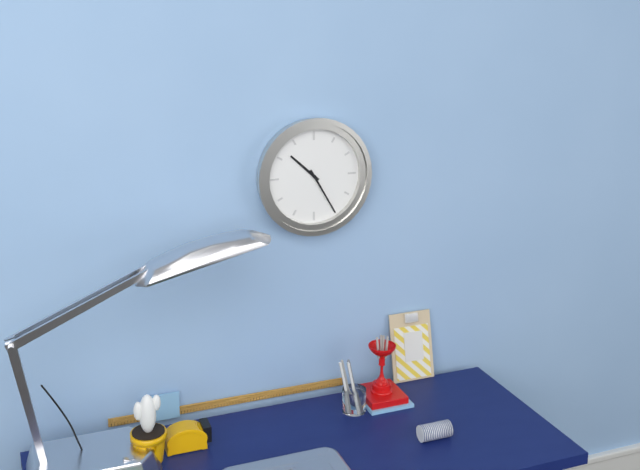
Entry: 10:25
